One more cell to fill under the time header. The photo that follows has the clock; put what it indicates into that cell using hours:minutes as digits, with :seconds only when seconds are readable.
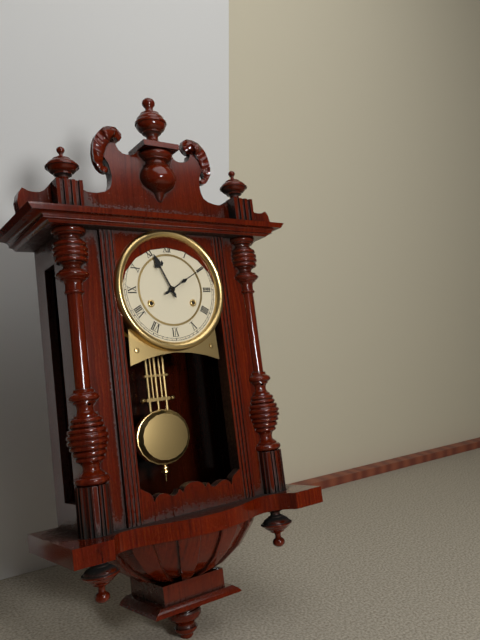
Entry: 11:10
